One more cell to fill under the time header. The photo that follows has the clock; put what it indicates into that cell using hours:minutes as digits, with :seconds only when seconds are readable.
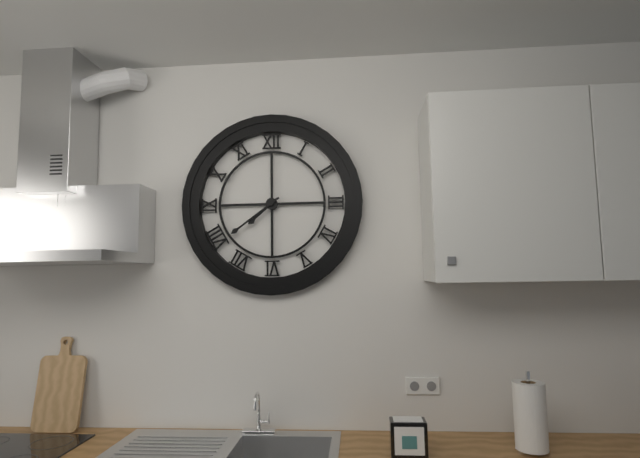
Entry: 7:39
